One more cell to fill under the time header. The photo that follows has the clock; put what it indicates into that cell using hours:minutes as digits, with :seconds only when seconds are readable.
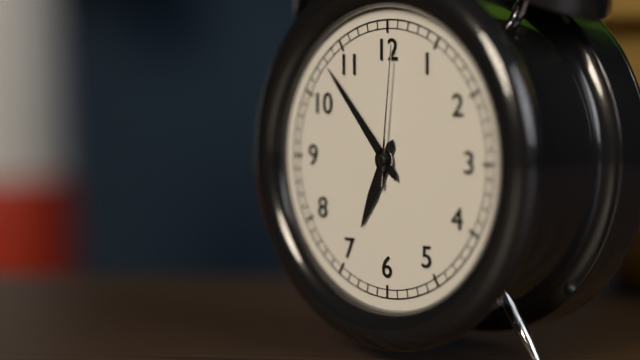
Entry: 6:53:01
